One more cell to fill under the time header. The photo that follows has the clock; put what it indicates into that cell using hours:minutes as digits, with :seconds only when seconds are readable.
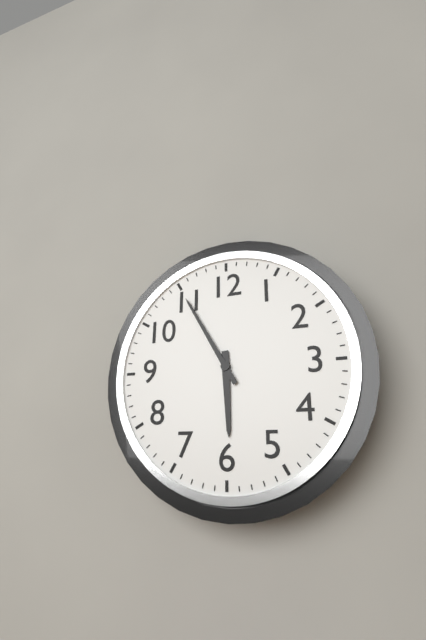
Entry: 5:55
